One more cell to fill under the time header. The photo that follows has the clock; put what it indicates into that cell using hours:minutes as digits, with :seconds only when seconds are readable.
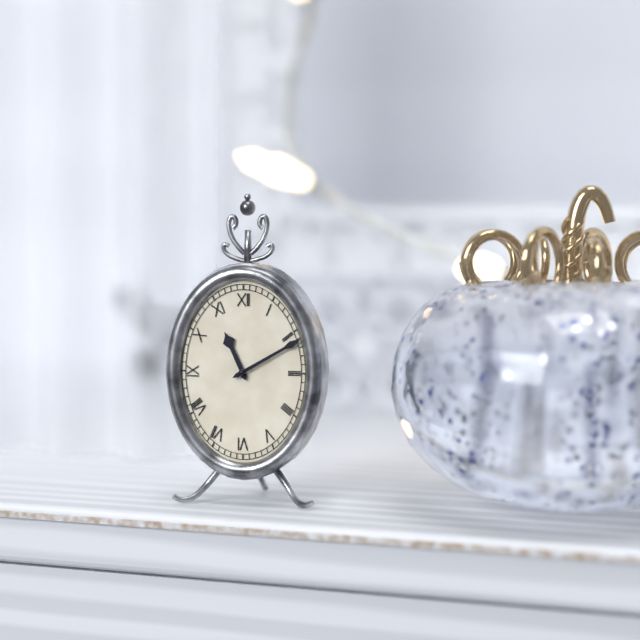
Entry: 11:10
